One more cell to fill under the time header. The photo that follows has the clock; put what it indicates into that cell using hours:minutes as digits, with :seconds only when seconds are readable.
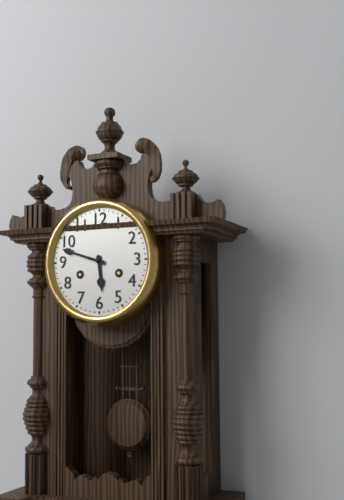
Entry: 5:48
